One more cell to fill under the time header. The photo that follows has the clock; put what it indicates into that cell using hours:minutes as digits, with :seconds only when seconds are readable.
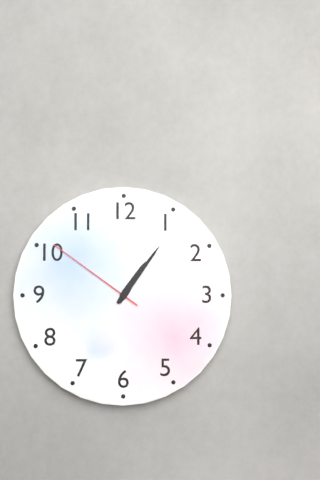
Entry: 1:06:51
